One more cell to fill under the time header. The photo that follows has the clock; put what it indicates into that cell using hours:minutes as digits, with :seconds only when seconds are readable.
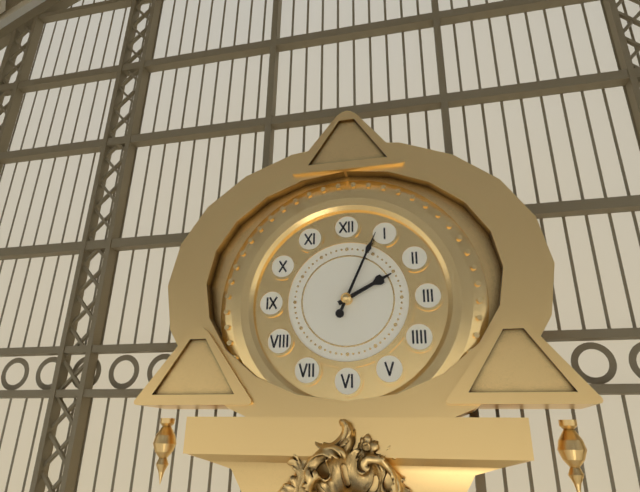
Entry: 2:04
